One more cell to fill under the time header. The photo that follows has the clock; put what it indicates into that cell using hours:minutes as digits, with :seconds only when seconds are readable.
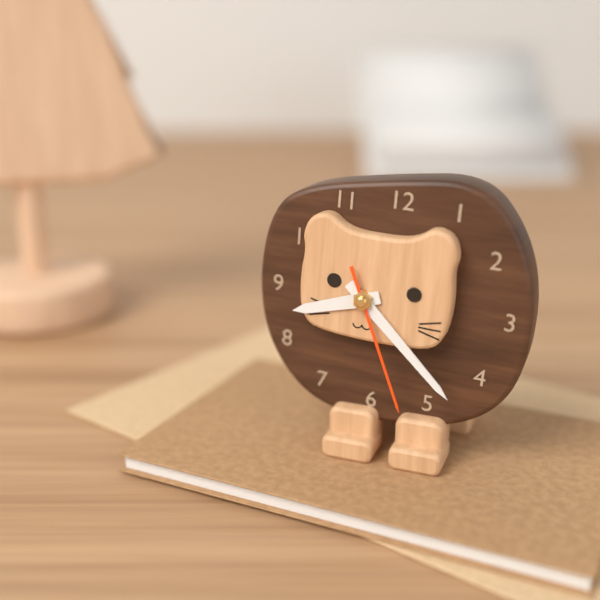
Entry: 8:22:26
